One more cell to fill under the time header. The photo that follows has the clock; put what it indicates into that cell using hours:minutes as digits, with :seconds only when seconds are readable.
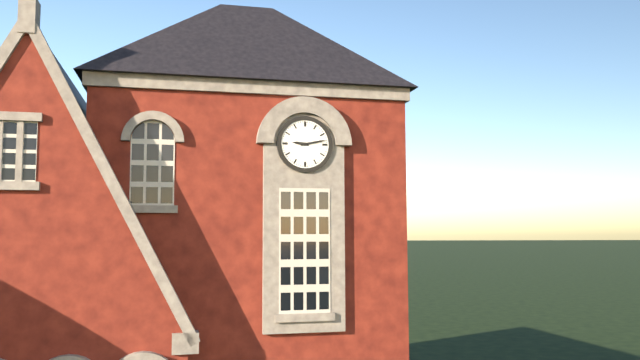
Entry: 9:13
